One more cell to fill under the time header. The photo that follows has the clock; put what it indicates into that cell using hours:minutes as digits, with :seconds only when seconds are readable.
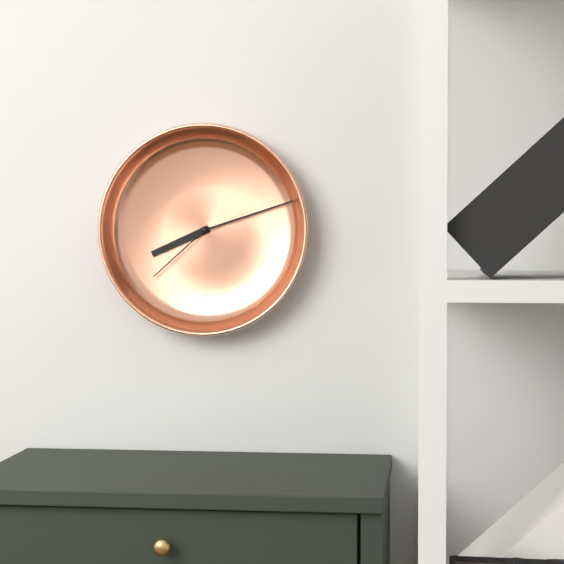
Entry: 8:12:38
